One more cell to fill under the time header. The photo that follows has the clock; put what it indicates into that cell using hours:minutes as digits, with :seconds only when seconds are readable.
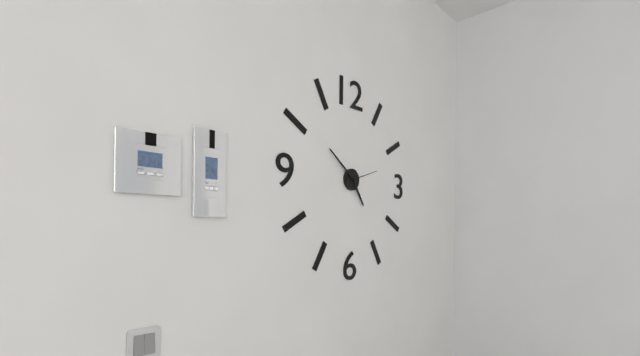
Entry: 4:51
